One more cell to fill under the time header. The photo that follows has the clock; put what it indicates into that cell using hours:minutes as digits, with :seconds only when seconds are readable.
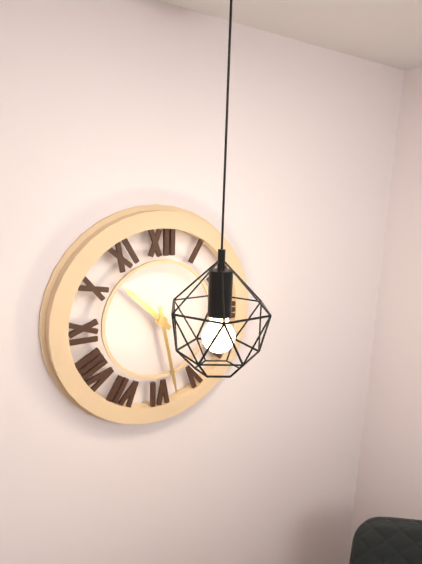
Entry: 10:28
